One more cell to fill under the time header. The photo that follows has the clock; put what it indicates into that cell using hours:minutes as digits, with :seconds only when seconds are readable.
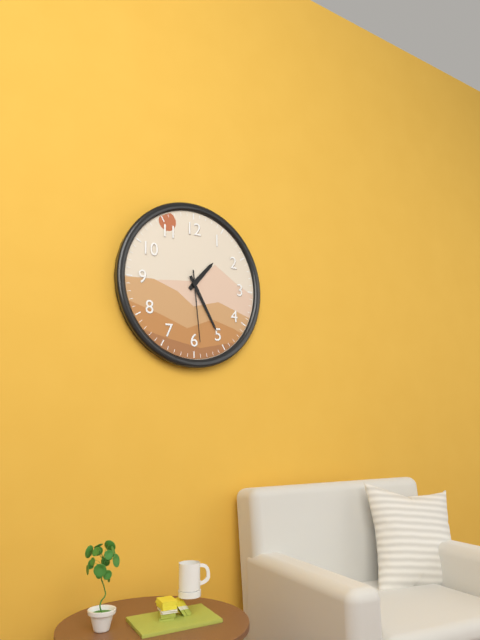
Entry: 1:25:29
